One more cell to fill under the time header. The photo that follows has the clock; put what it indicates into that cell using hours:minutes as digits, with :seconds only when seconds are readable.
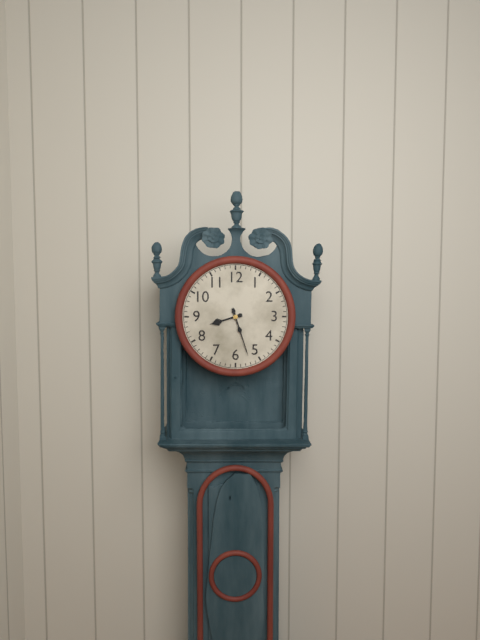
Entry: 8:27
